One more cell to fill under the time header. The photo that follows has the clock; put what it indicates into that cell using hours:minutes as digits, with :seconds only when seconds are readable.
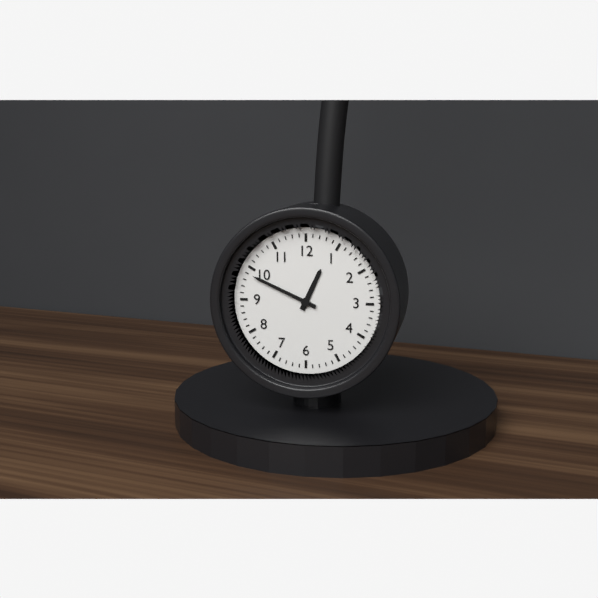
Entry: 12:49
